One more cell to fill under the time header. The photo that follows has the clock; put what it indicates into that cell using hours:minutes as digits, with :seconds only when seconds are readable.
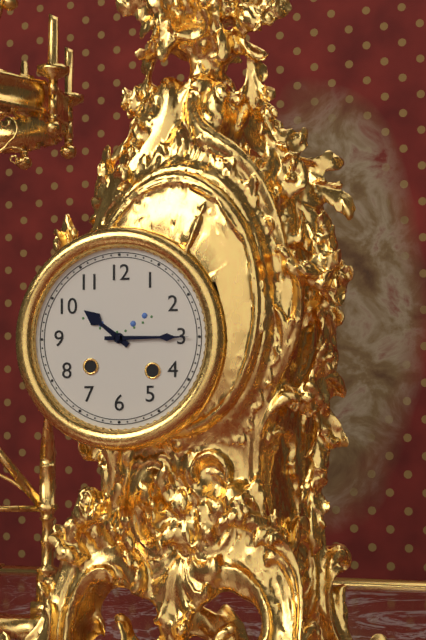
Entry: 10:15
